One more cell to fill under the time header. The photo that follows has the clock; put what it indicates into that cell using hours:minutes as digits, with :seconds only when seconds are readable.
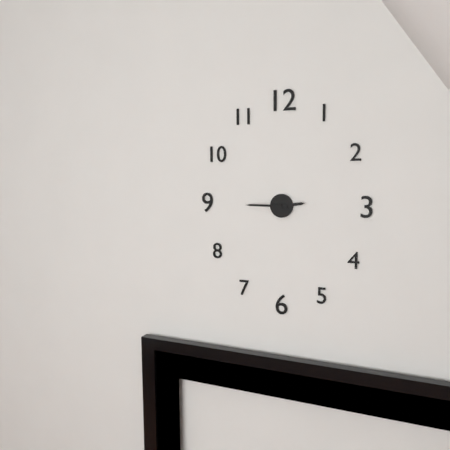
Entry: 2:45
